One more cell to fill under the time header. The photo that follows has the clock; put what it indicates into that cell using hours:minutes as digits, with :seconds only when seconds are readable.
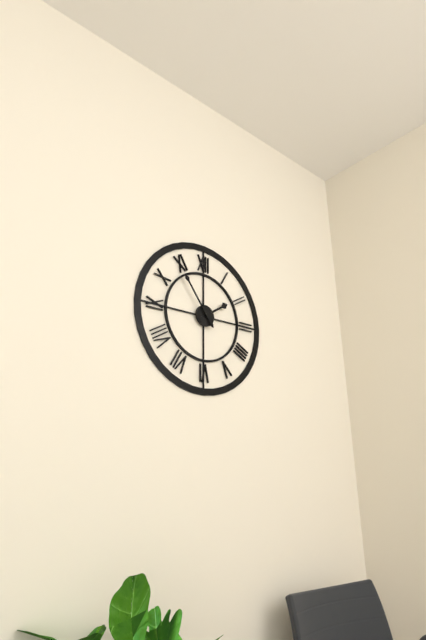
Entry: 1:54
